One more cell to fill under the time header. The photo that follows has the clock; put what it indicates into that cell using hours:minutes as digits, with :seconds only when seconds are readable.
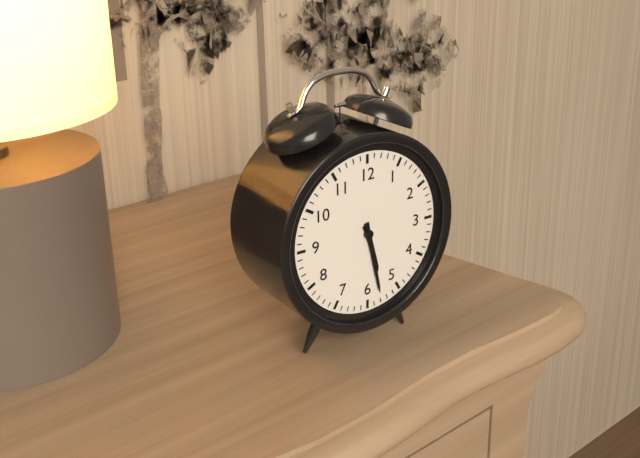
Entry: 5:28
